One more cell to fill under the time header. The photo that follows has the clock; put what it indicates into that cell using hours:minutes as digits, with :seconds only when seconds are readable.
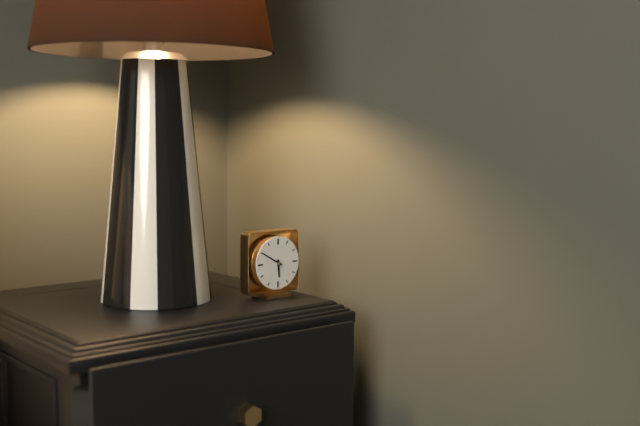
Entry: 5:50
